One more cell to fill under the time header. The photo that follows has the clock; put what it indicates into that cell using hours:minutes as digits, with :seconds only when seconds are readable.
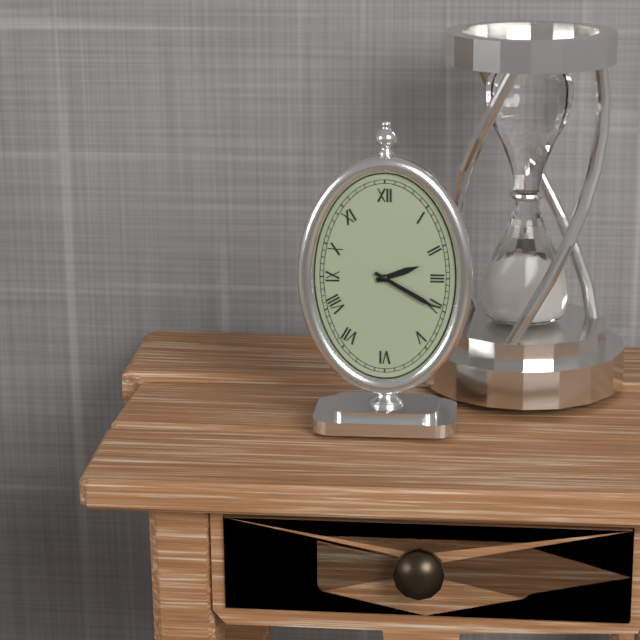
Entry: 2:20
